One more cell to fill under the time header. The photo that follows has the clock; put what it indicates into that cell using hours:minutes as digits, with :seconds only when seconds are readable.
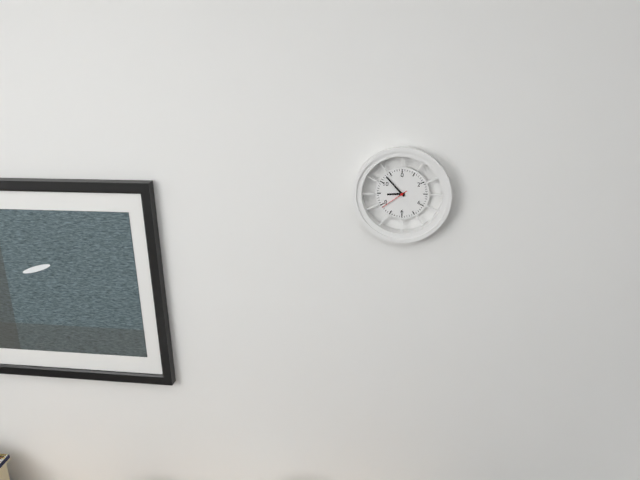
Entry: 8:53
